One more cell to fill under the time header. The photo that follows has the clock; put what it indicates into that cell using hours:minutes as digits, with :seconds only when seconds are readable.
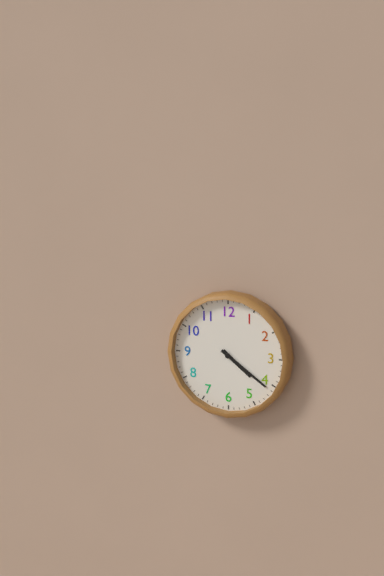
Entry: 4:21
